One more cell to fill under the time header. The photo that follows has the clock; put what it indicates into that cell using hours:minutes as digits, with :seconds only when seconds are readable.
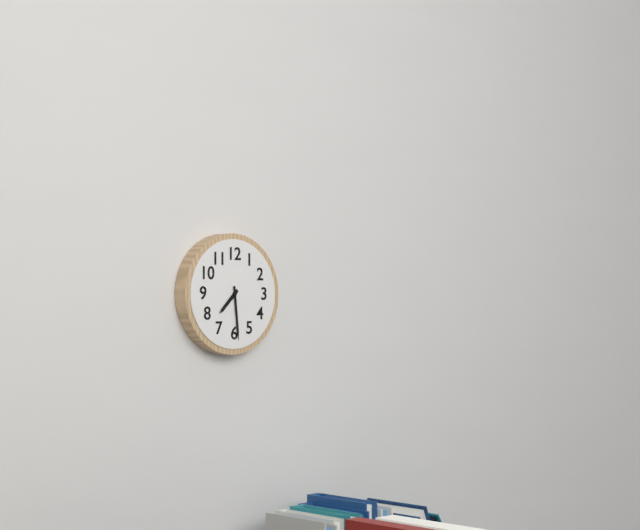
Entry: 7:29
